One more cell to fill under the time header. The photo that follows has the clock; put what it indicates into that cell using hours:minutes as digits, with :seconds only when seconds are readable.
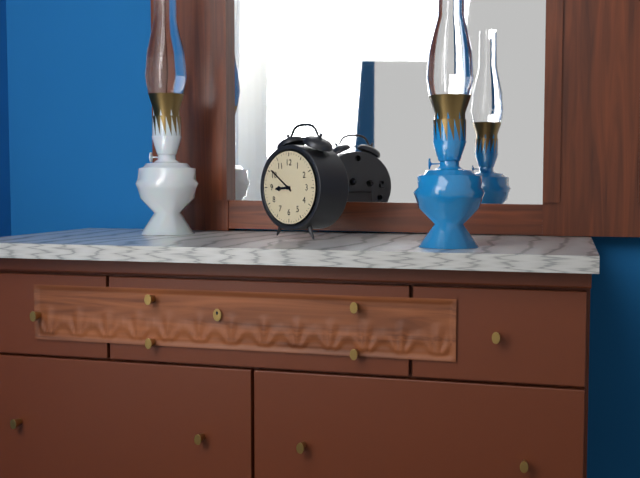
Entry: 8:51
